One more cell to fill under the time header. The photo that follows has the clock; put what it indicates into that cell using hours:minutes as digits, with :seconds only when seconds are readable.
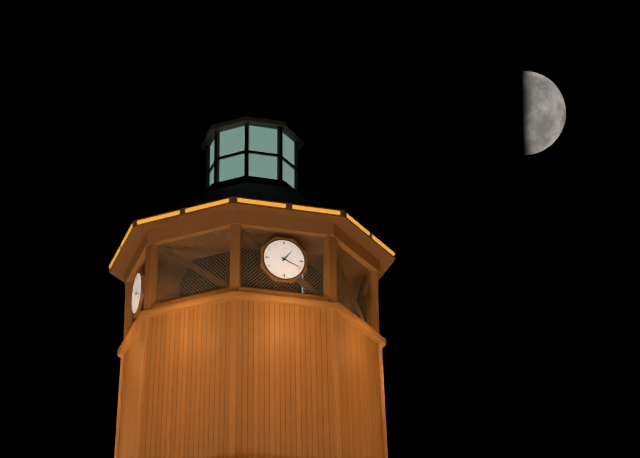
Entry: 1:19
